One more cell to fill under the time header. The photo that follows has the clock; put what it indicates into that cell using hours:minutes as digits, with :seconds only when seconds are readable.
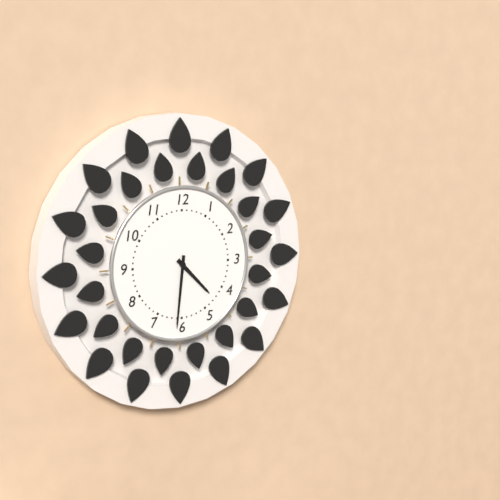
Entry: 4:31
